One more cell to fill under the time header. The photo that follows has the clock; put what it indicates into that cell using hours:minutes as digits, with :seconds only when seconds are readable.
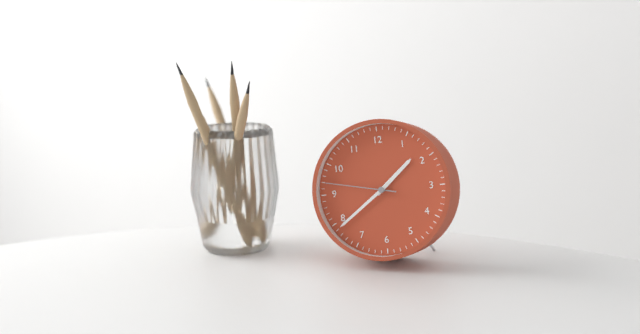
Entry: 1:39:47
